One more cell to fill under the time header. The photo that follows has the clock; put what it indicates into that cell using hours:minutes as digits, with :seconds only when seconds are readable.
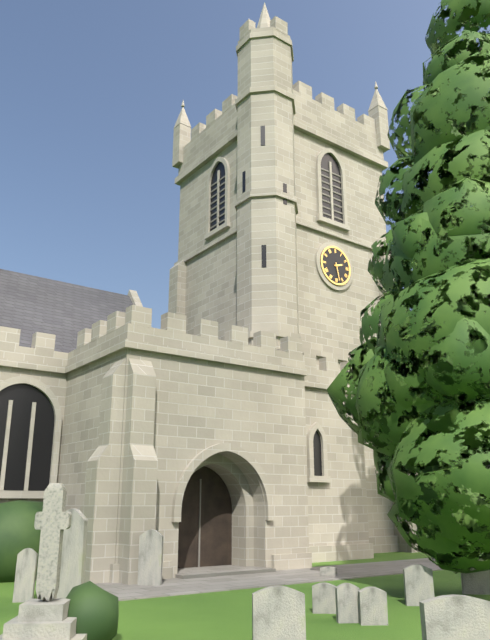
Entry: 2:28
